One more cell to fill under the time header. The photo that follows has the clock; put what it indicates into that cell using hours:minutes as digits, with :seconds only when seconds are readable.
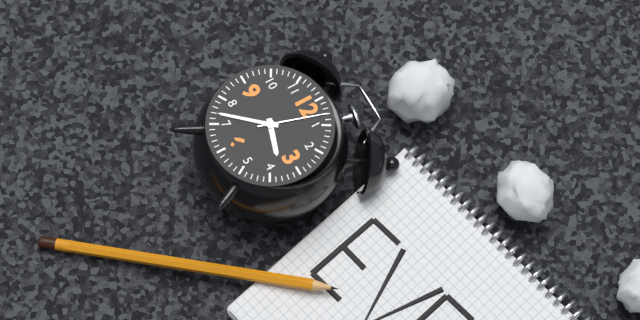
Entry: 3:37:03
